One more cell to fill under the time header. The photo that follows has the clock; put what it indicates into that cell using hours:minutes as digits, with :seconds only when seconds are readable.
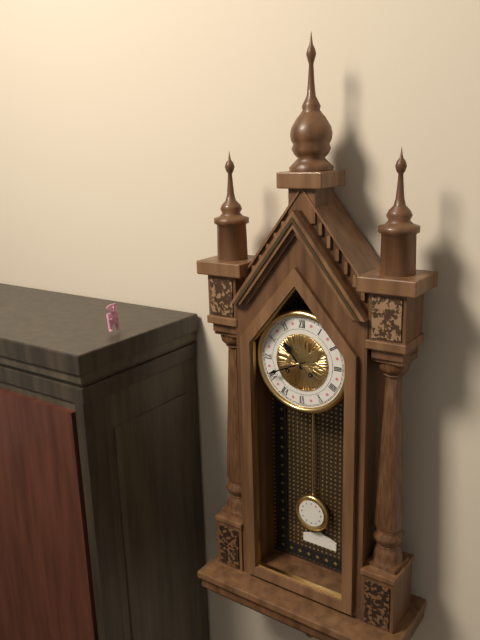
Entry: 10:41
